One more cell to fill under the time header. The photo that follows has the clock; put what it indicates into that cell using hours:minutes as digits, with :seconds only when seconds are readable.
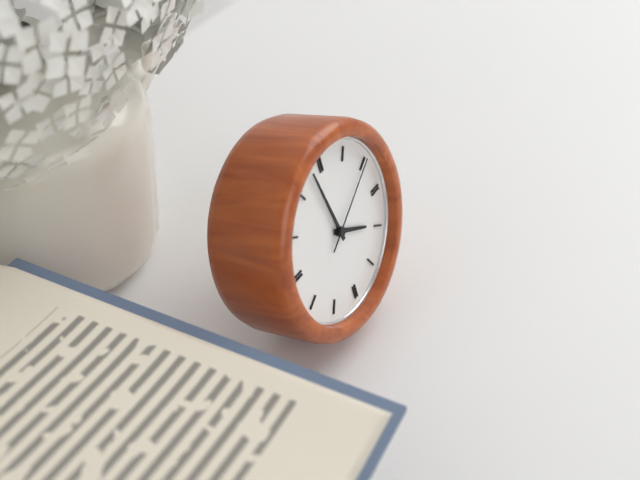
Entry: 3:58:10
